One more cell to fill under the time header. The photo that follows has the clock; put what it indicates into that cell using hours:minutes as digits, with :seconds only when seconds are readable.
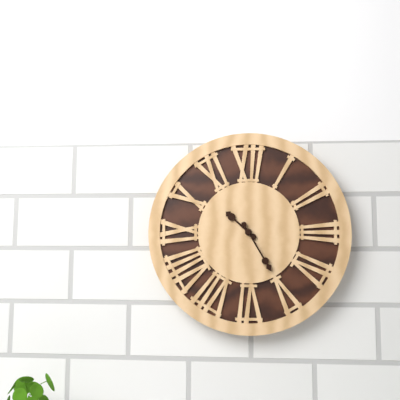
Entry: 10:25
